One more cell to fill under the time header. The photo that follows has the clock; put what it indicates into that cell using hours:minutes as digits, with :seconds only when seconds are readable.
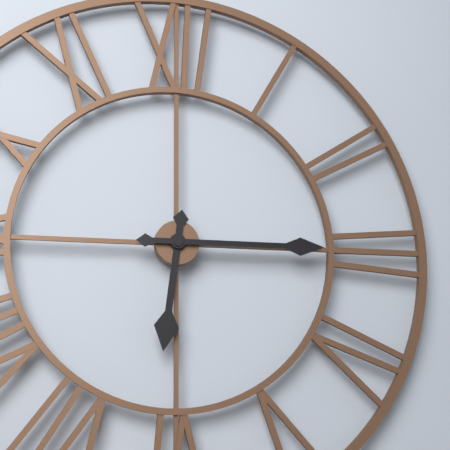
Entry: 6:15
